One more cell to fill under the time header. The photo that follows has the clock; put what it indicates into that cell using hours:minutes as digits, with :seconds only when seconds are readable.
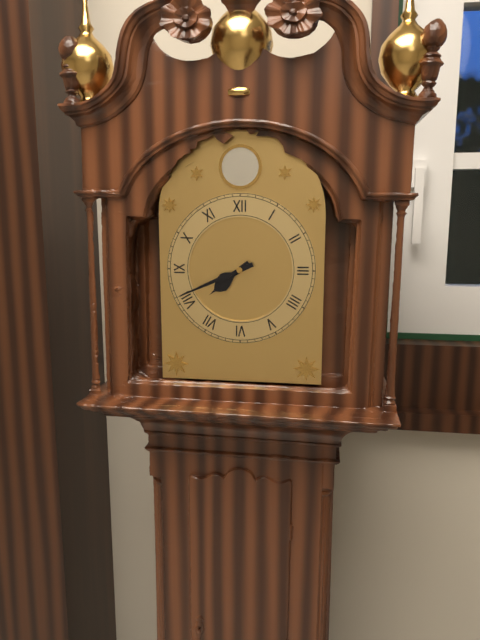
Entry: 7:41
